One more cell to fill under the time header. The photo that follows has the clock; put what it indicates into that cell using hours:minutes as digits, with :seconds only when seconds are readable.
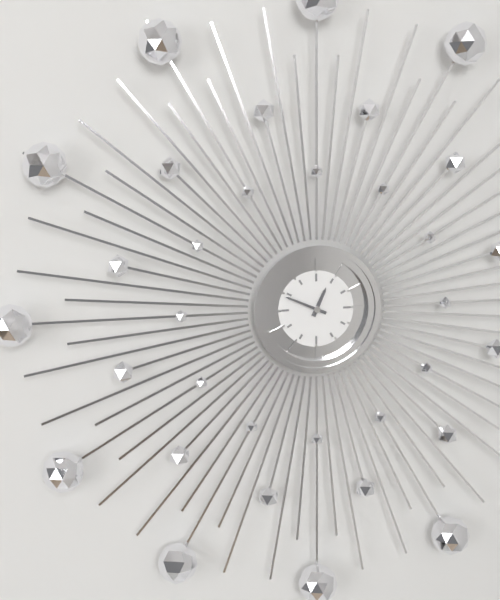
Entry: 12:49
